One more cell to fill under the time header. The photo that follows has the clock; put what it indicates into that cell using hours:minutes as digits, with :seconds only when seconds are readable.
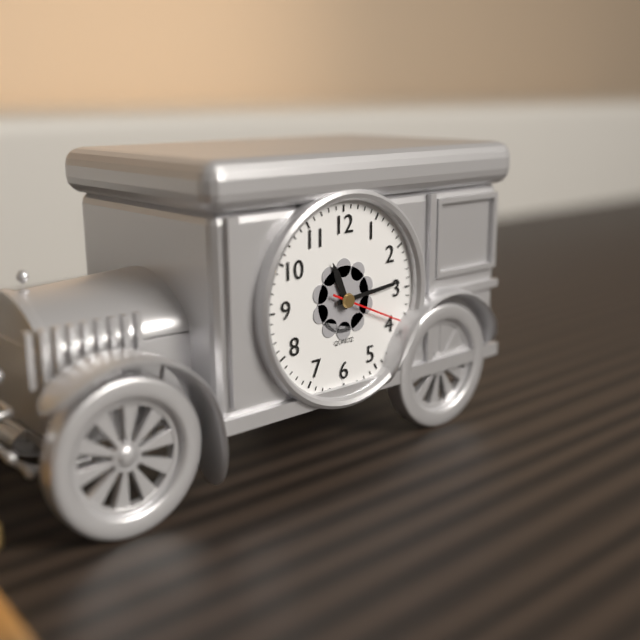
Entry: 11:14:19
